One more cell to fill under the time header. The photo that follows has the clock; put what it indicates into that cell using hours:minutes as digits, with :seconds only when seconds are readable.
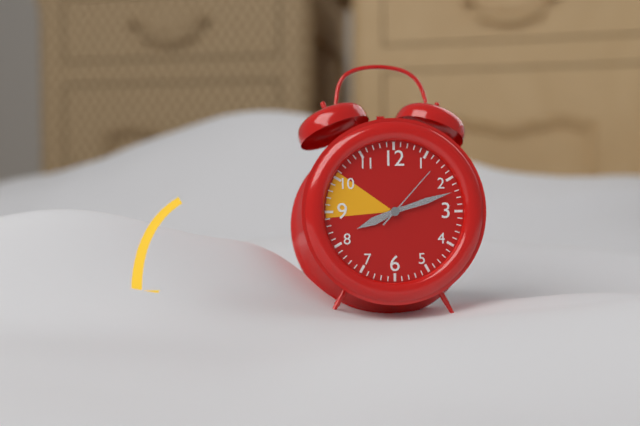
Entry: 8:12:07
